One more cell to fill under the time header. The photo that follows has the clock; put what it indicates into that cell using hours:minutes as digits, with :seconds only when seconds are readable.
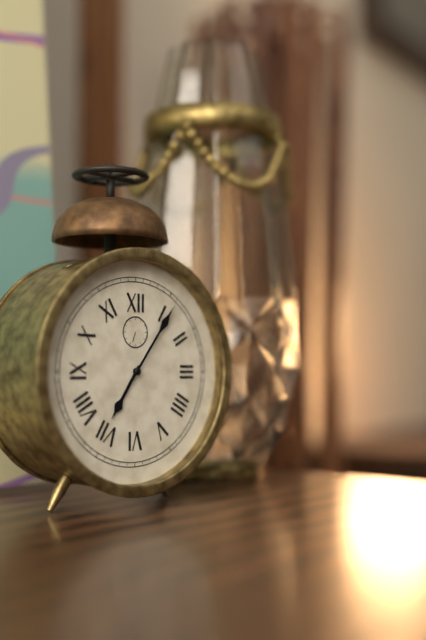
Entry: 7:06
